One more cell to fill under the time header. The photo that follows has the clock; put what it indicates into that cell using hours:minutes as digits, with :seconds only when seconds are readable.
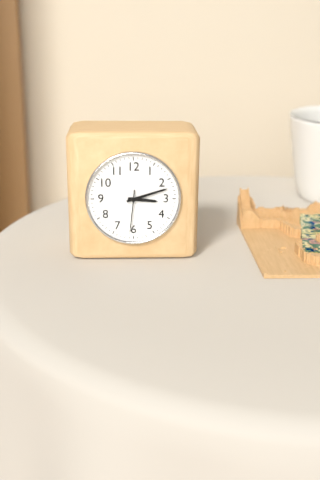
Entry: 3:12
